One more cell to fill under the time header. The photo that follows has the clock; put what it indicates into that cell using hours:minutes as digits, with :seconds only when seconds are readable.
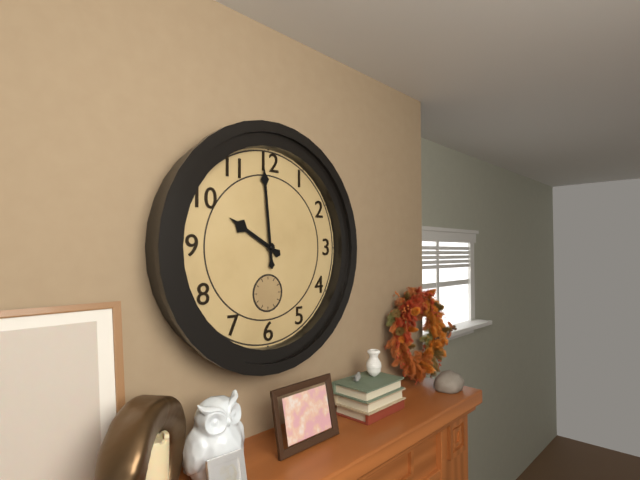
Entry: 9:59
